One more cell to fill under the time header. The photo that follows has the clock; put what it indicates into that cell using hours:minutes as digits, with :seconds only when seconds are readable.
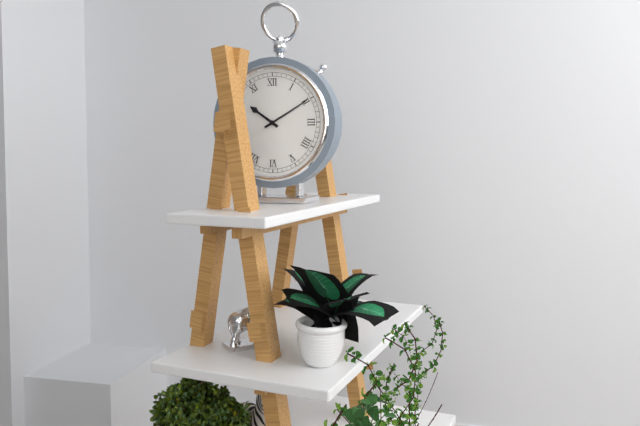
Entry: 10:10
